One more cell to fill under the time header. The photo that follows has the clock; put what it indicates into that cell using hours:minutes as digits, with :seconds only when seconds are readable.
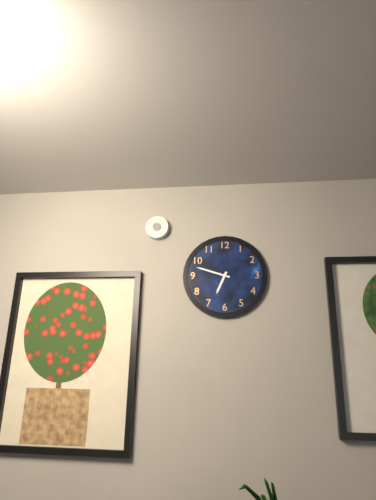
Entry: 6:48
